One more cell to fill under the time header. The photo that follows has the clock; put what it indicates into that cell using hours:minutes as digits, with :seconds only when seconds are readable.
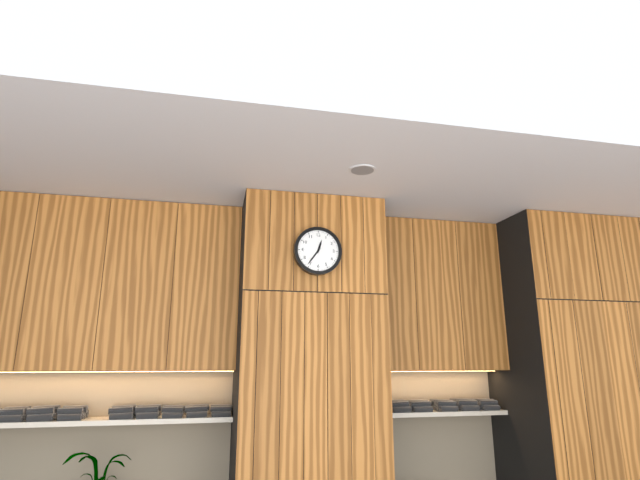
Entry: 12:36
